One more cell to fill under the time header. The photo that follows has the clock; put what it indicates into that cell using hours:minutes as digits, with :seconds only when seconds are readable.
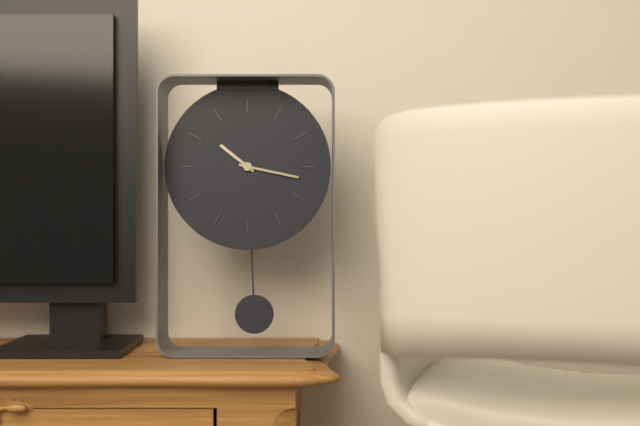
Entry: 10:17
